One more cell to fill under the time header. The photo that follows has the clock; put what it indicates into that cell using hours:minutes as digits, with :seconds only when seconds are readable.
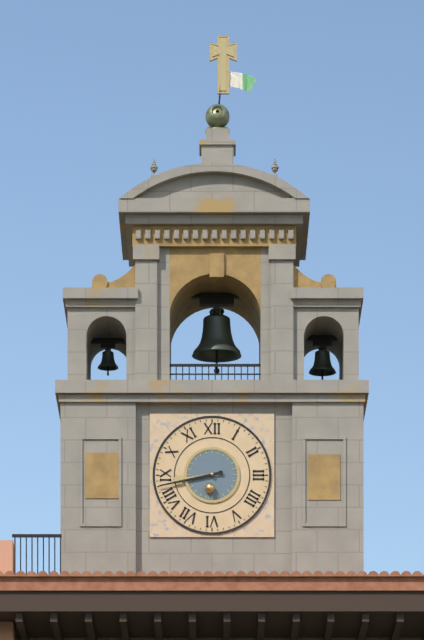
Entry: 8:43
